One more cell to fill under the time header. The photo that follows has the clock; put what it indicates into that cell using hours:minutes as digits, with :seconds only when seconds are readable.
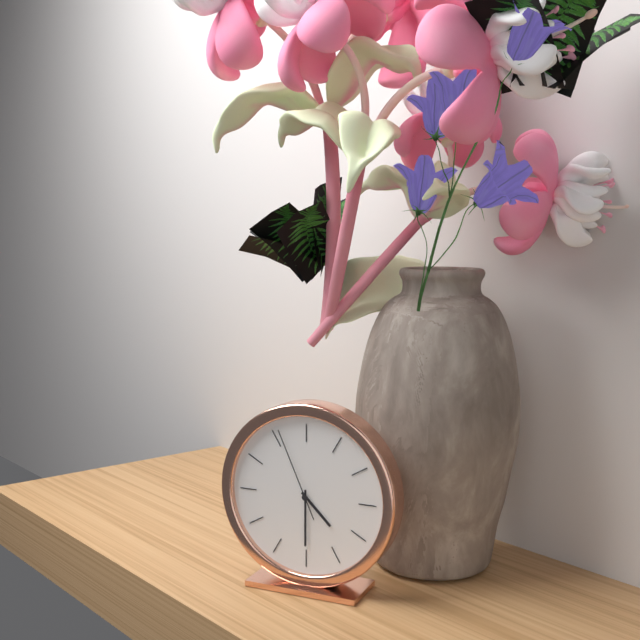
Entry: 4:30:56
